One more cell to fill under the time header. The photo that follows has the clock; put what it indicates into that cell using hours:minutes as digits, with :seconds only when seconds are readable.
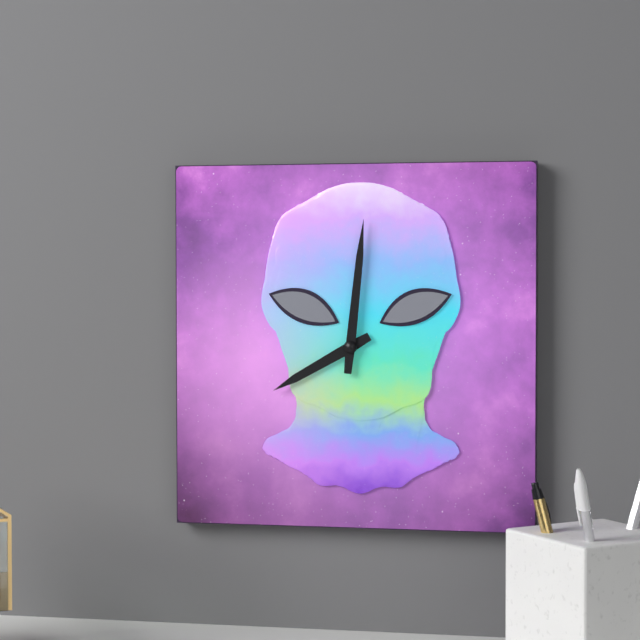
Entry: 8:01
